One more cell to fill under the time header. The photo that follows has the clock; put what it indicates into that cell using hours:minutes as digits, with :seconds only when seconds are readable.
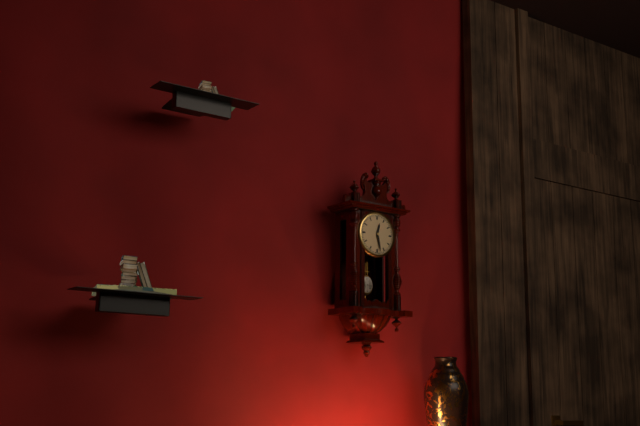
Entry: 12:28
